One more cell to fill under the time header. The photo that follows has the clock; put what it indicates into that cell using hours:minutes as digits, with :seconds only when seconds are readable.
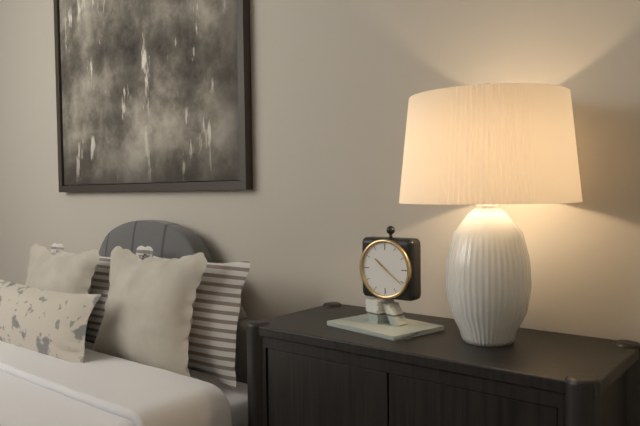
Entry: 10:21
